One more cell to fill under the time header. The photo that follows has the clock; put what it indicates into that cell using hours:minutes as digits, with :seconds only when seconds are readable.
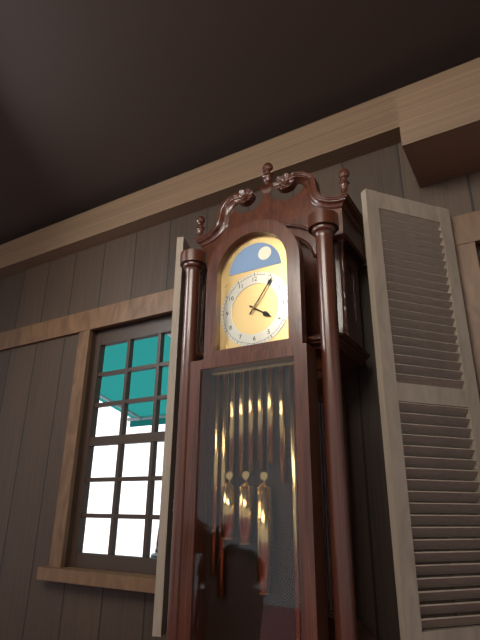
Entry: 4:06
